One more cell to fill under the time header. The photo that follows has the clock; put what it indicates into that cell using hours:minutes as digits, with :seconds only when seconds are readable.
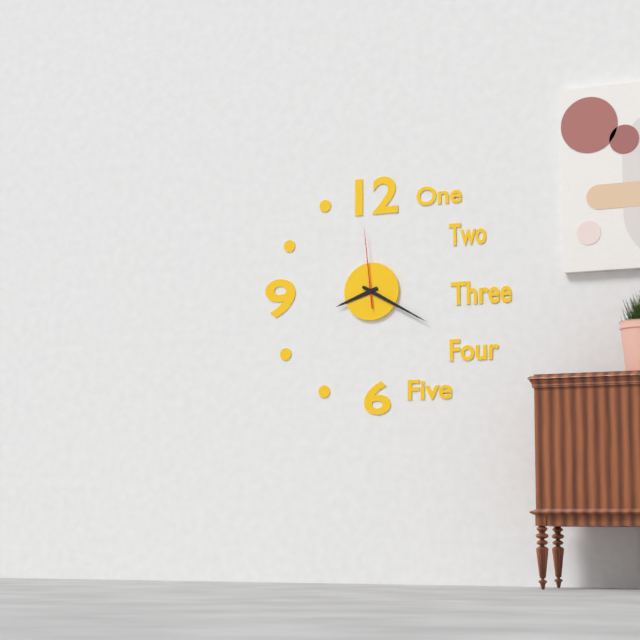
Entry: 8:20:59
